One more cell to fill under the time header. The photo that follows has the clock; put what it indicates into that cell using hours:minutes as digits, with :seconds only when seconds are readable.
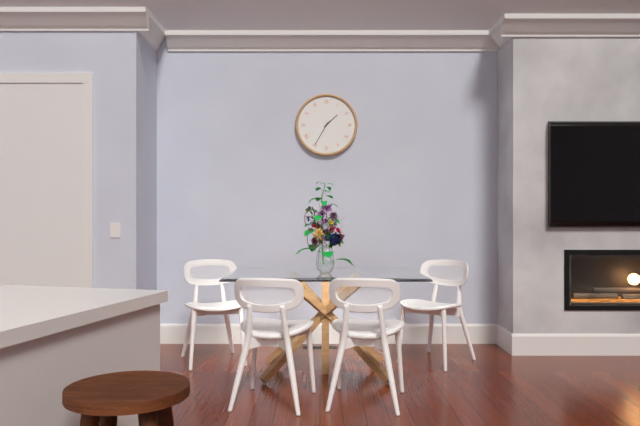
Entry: 1:35
